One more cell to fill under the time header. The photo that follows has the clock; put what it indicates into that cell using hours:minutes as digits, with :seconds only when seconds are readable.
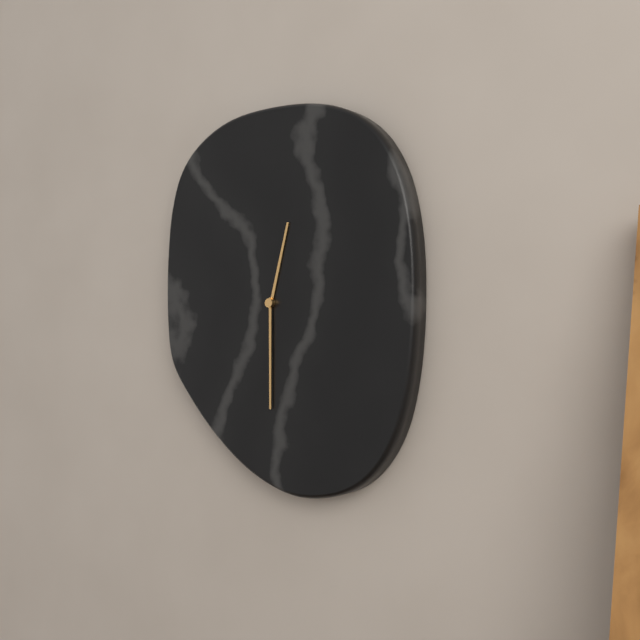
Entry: 12:30
